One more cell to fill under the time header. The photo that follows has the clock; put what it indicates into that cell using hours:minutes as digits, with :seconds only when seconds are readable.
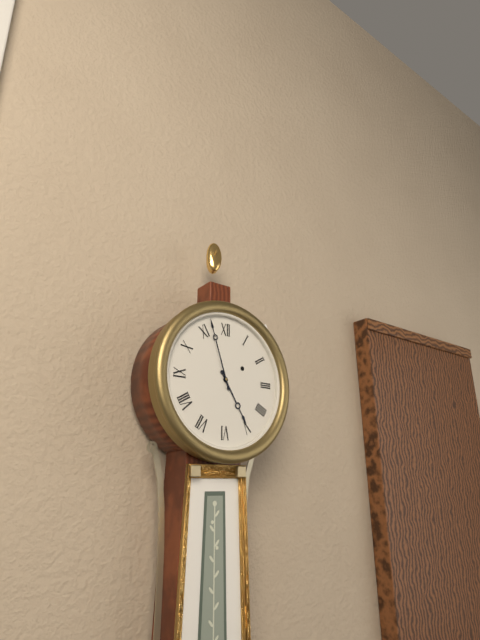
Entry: 4:57
